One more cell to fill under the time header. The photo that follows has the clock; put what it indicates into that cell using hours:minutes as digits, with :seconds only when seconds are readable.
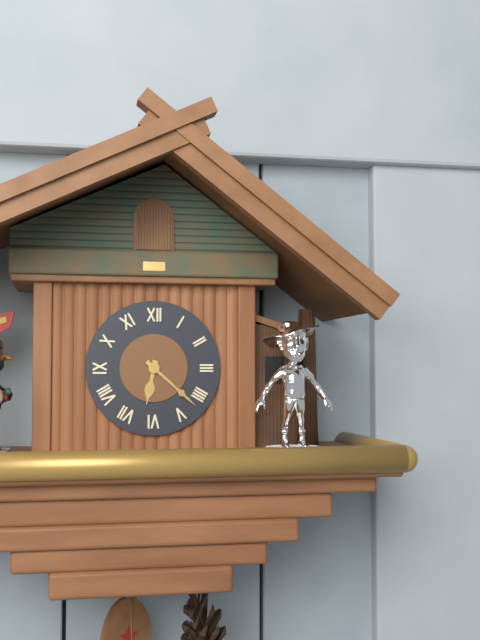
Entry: 6:22
